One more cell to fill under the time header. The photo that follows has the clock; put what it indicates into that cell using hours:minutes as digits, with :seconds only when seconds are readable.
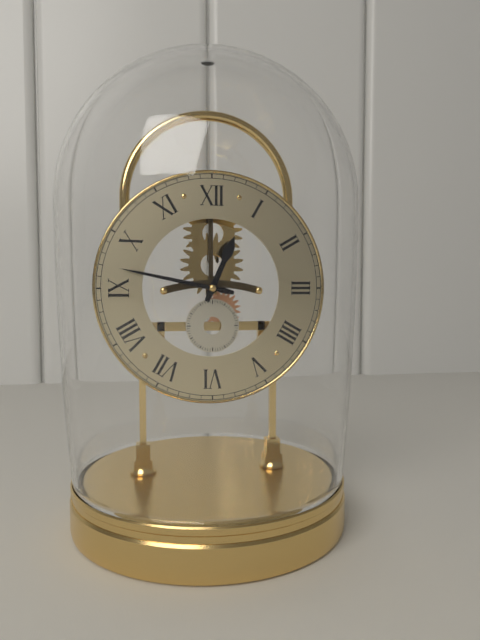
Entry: 12:47
